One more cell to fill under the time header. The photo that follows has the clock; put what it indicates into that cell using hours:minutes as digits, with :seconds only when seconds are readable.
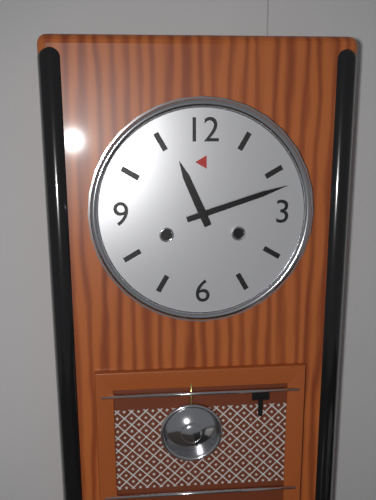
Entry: 11:12
